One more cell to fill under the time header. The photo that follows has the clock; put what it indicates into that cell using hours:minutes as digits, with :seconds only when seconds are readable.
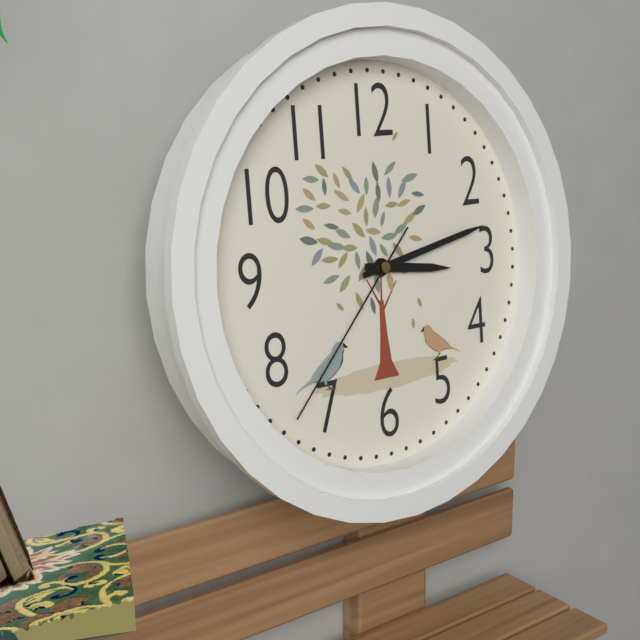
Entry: 3:13:37
